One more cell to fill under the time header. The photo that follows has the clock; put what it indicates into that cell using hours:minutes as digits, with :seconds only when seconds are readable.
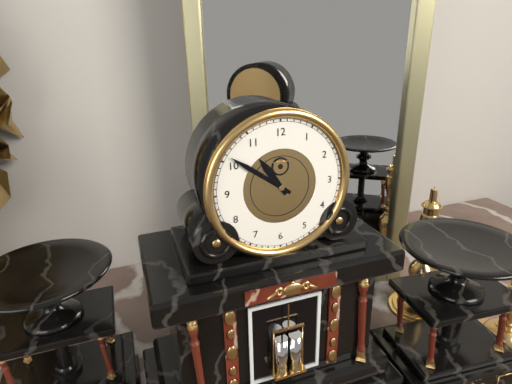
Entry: 10:51
